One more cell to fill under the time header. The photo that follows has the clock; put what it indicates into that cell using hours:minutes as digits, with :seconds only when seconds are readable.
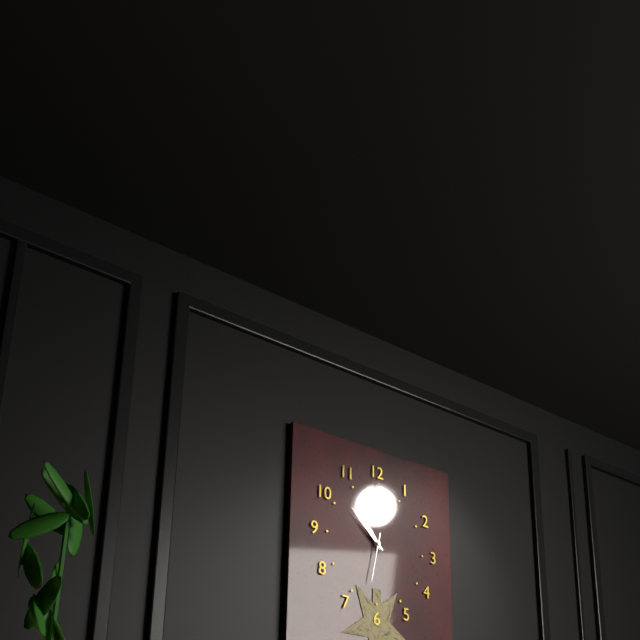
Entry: 10:52:32
